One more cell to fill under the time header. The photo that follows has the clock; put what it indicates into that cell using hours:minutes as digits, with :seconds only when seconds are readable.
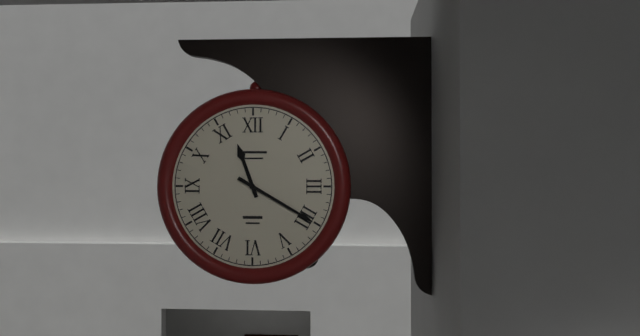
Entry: 11:20
